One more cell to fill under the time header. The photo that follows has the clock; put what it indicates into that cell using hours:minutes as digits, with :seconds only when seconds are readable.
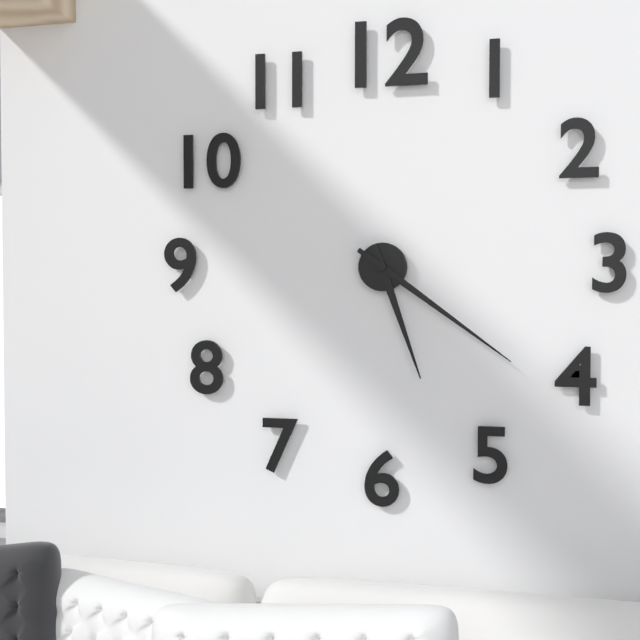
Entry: 5:21
